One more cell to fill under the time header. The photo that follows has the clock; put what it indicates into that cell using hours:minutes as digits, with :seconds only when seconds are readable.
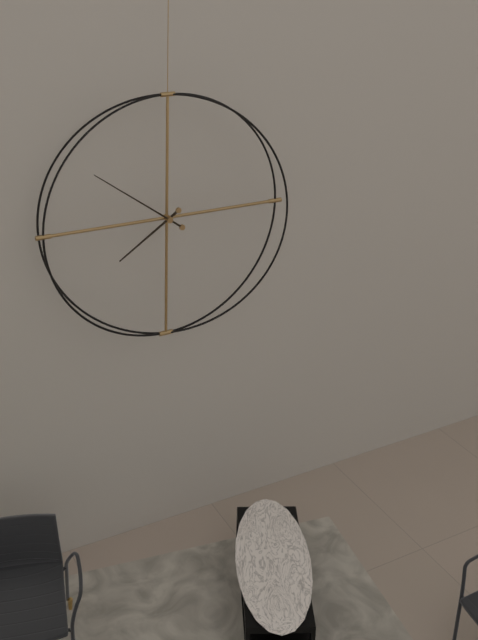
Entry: 7:51
